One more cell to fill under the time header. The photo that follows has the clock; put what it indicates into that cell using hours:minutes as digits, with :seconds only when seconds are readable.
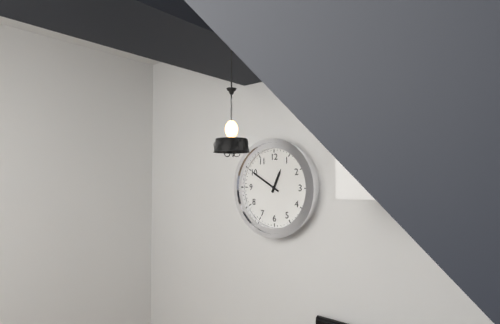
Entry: 12:50
